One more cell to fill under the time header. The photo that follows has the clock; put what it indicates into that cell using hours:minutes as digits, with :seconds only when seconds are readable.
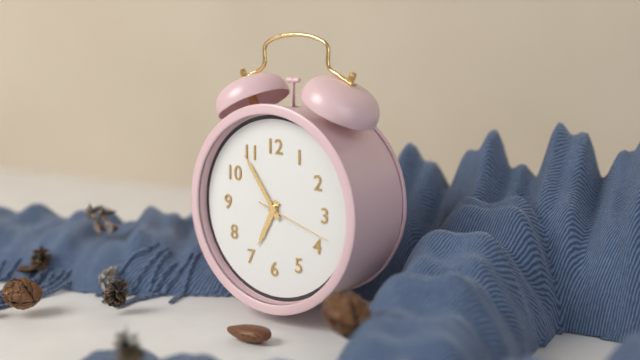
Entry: 6:54:18
